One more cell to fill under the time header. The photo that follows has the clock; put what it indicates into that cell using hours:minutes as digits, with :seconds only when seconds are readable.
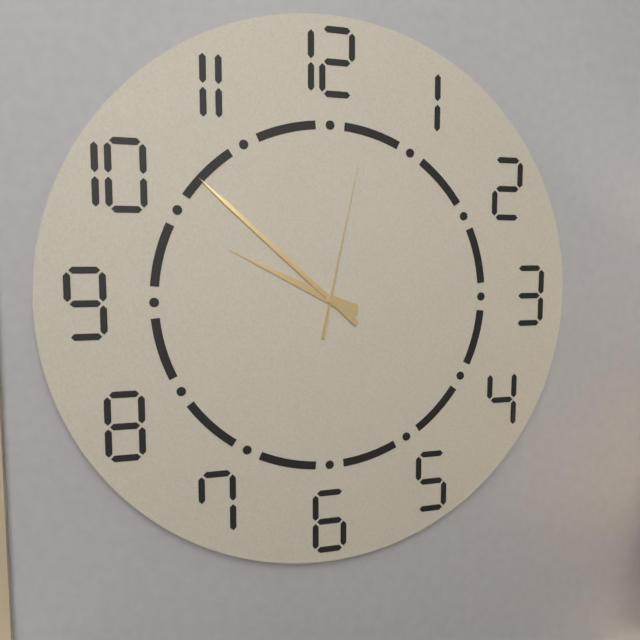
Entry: 9:52:02
